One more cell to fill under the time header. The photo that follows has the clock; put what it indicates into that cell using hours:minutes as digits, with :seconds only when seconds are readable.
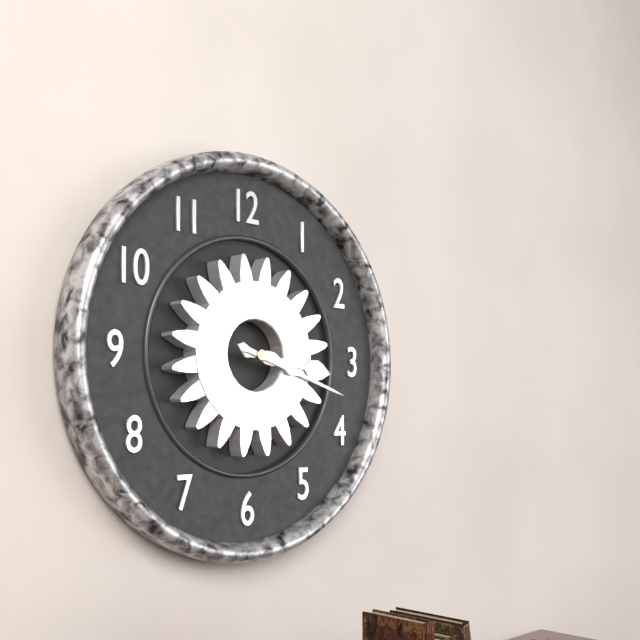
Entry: 3:18
